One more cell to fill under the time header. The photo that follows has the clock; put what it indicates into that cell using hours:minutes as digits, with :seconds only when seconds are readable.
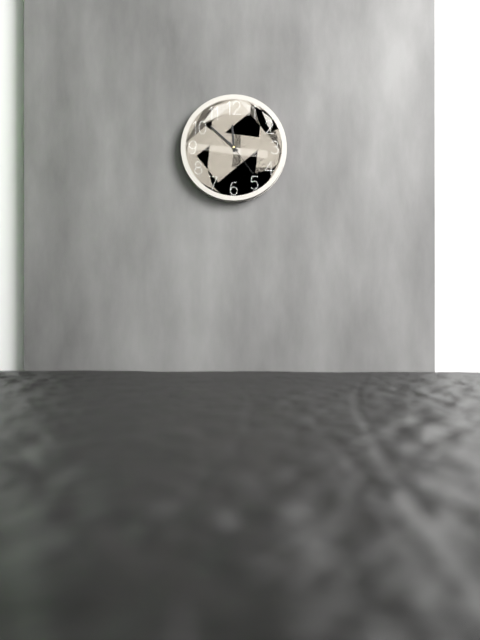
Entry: 11:52
